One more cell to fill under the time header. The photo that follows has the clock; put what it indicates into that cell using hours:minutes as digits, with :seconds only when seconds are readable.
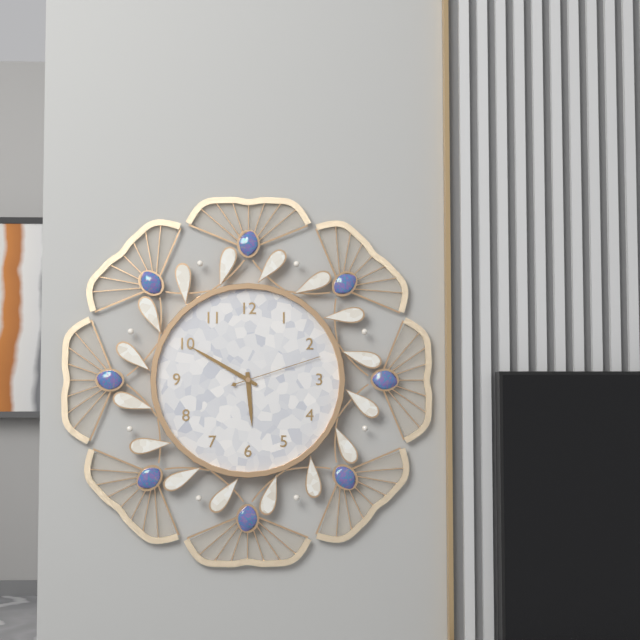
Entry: 5:50:12
